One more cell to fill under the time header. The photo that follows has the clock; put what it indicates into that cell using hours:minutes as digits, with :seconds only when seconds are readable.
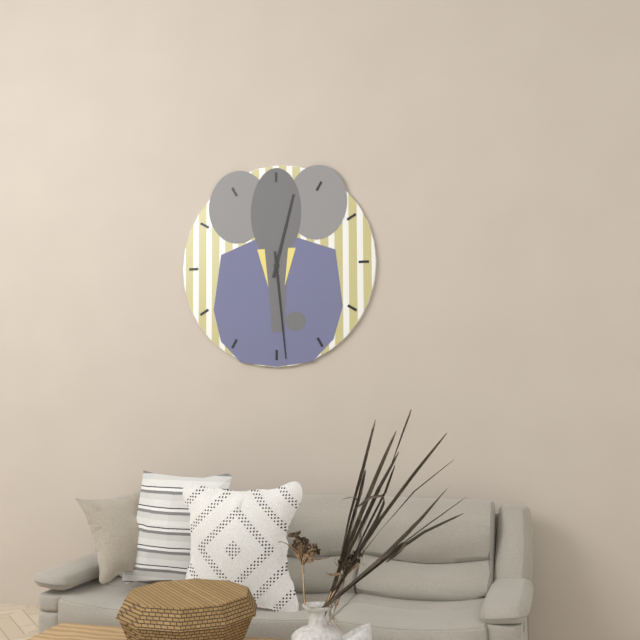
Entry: 12:29
